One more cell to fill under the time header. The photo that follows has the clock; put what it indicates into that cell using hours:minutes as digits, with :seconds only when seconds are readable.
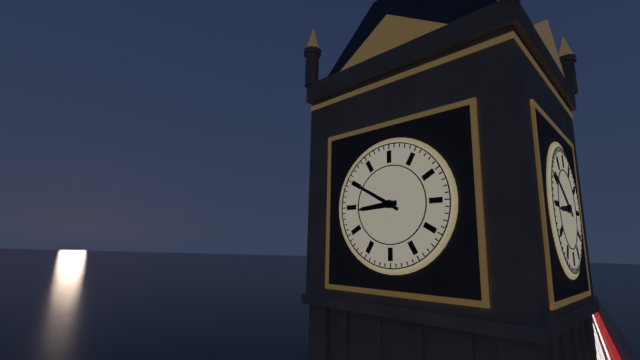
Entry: 8:50
